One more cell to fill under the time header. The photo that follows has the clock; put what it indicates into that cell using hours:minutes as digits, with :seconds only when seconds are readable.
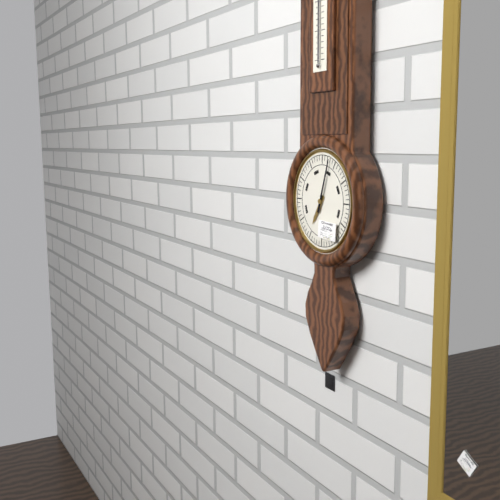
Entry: 7:03
